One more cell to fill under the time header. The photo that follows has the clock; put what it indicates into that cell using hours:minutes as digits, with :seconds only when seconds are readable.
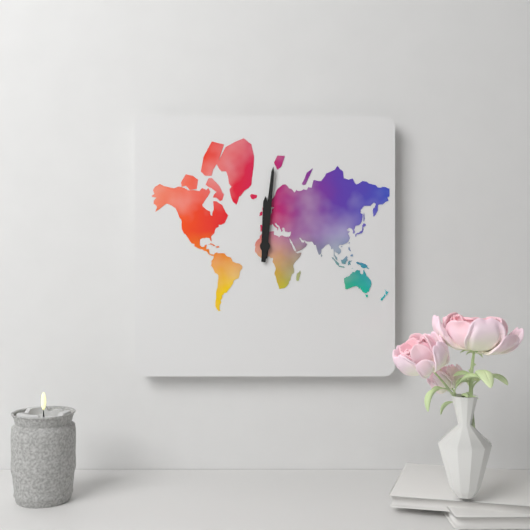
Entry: 12:01
